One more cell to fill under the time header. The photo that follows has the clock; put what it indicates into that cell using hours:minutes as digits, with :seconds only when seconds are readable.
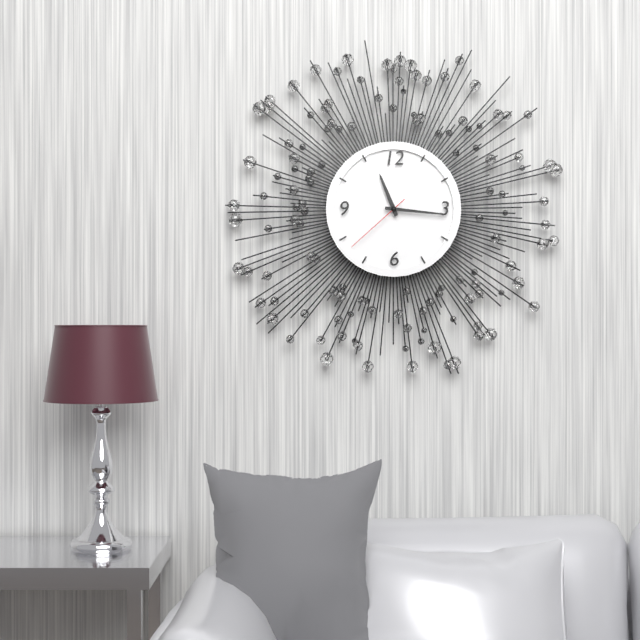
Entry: 11:16:38
